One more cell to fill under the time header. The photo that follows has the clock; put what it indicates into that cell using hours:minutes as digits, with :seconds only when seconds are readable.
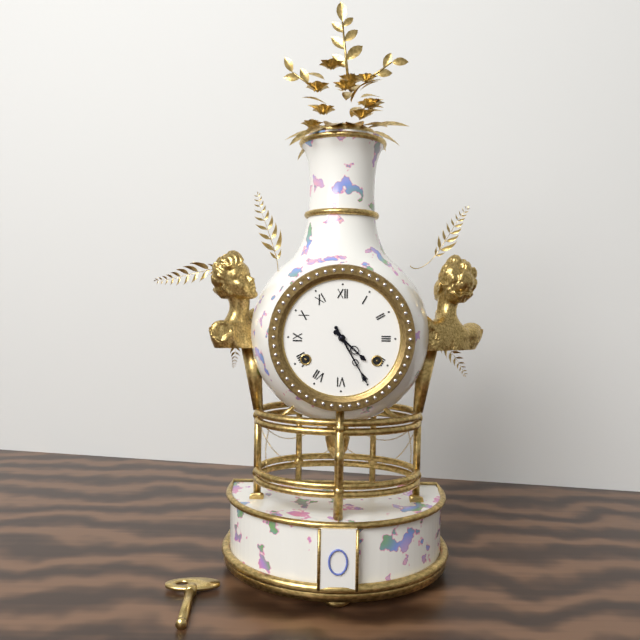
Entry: 4:25
